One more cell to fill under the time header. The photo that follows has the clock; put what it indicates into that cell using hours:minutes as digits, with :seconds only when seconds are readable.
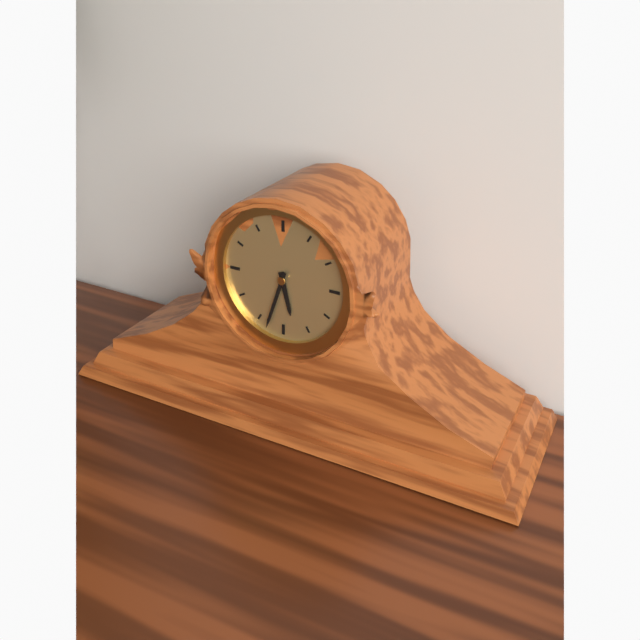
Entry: 5:33
